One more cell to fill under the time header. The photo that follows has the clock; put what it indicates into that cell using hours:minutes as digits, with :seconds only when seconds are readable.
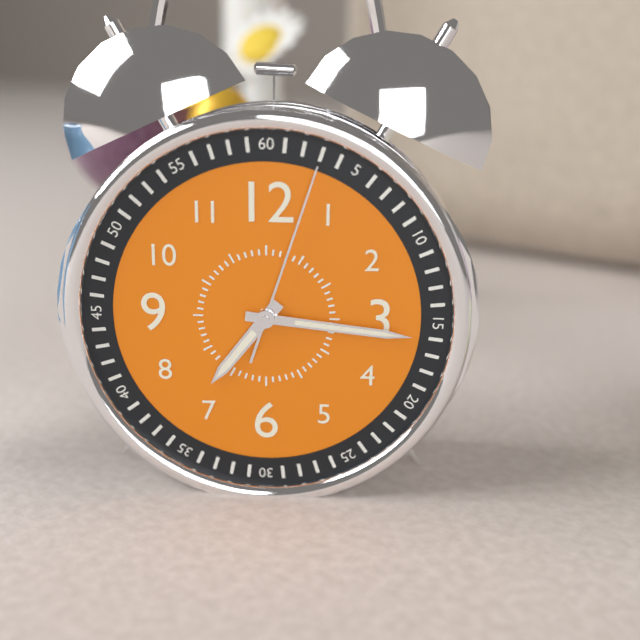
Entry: 7:16:03
